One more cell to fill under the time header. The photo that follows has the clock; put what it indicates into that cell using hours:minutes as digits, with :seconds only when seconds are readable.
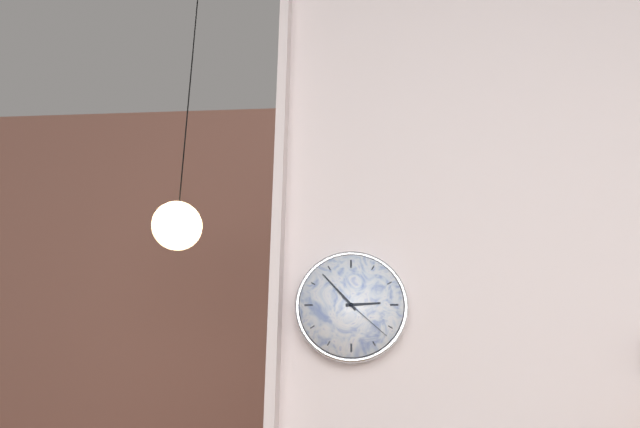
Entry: 2:53:22
